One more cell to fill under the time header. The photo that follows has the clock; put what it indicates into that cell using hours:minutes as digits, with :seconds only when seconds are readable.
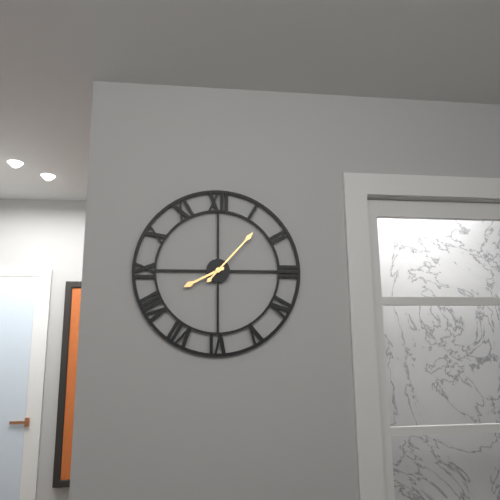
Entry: 8:07
